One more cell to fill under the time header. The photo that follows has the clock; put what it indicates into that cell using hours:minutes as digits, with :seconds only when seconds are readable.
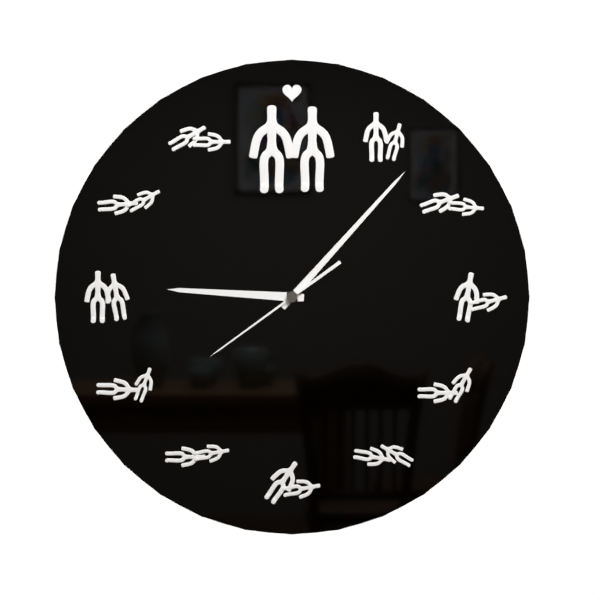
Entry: 9:07:39
